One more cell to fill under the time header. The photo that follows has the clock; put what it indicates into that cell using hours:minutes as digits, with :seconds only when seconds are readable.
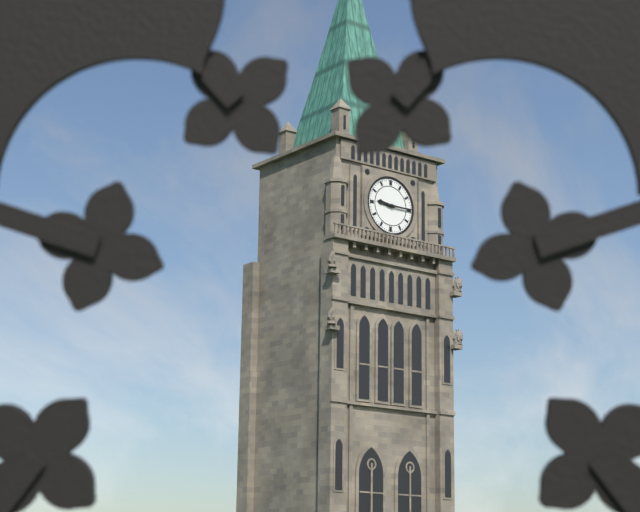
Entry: 9:15
